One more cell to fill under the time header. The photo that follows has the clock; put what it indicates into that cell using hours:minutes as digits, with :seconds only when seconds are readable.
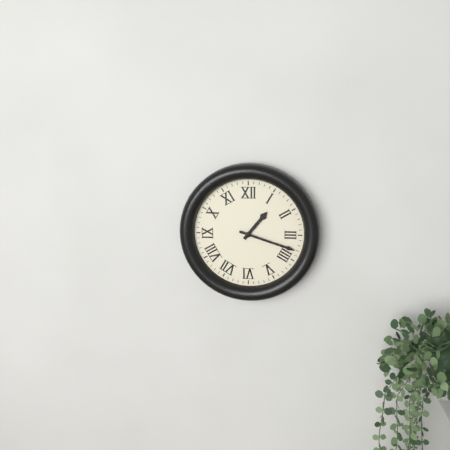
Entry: 1:18
